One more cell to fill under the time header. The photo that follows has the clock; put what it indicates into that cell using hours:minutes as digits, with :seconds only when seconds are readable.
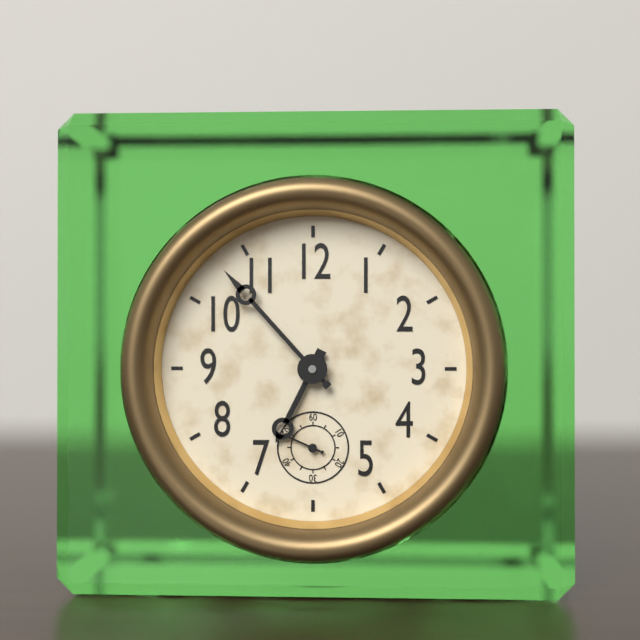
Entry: 6:53
